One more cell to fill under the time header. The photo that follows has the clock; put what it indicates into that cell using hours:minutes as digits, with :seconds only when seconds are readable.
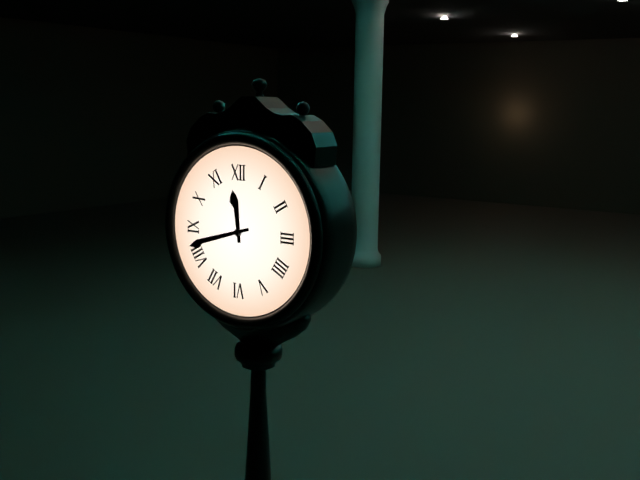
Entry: 11:42
